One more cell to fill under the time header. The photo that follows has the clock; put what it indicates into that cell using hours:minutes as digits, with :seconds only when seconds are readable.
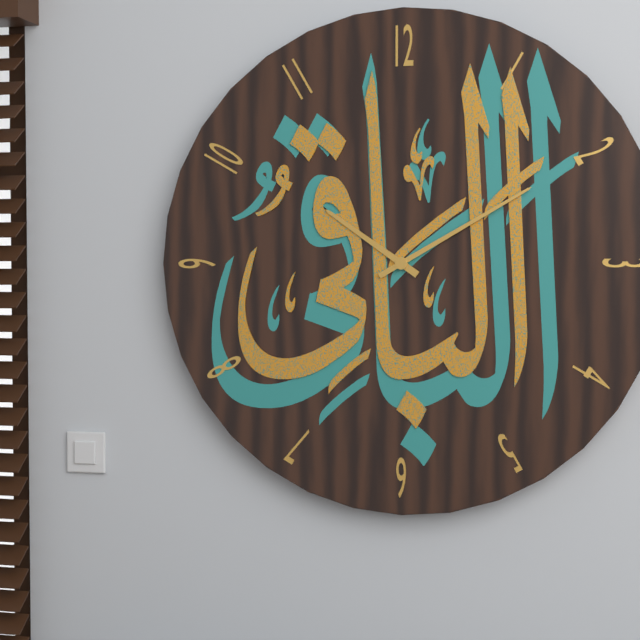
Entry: 10:10
